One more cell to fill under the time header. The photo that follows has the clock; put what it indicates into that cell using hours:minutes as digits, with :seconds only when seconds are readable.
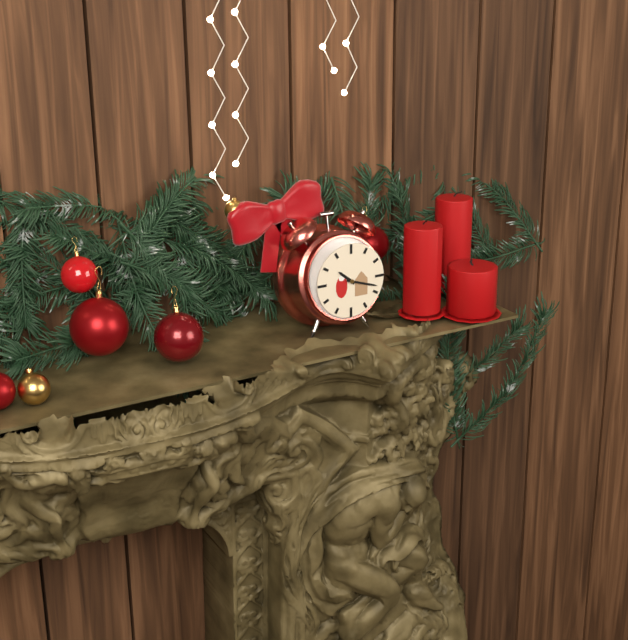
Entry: 10:18
